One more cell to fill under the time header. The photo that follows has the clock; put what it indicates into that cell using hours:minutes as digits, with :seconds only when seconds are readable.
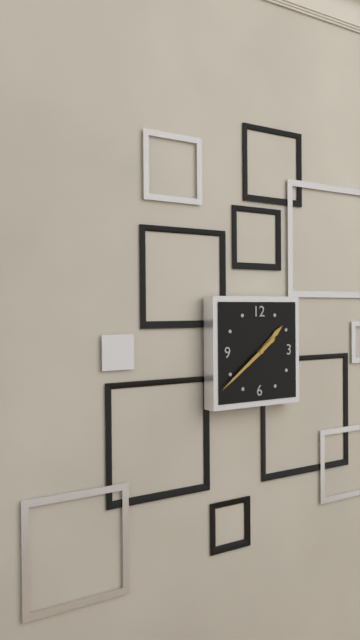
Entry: 1:39
